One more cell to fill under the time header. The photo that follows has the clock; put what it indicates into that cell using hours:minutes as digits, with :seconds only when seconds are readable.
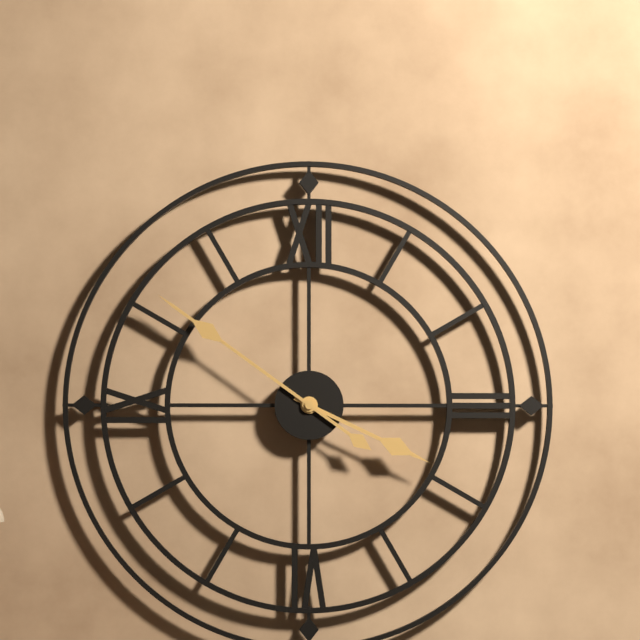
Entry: 3:51
